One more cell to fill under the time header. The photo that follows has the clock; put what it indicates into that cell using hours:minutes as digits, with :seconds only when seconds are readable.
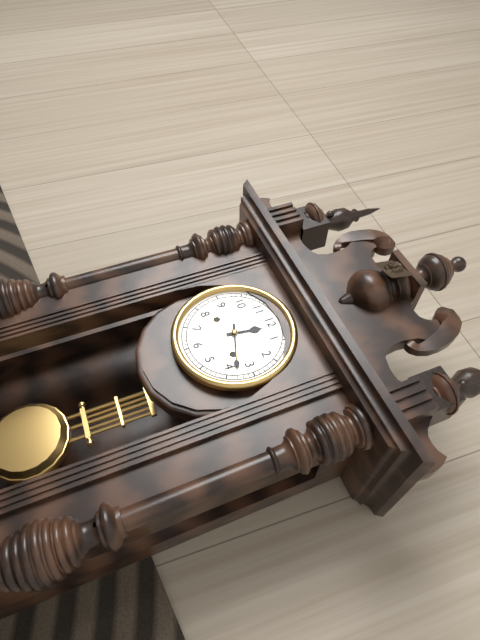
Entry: 12:18
